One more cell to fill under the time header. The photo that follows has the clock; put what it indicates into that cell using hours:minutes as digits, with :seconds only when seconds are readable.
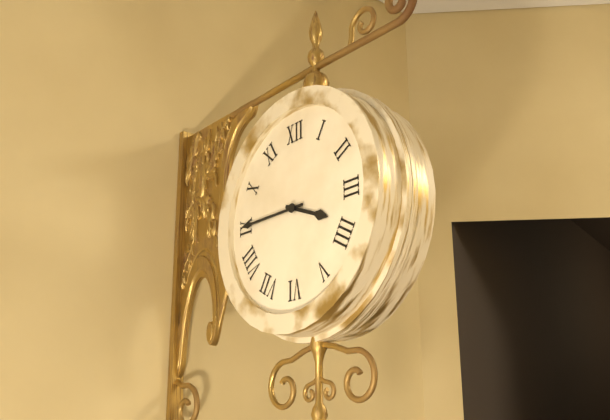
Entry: 3:45
